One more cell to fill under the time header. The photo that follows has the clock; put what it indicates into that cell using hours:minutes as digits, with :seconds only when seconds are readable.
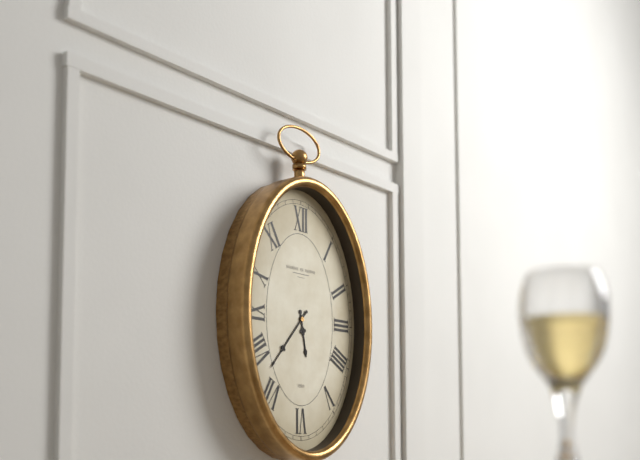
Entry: 5:37
